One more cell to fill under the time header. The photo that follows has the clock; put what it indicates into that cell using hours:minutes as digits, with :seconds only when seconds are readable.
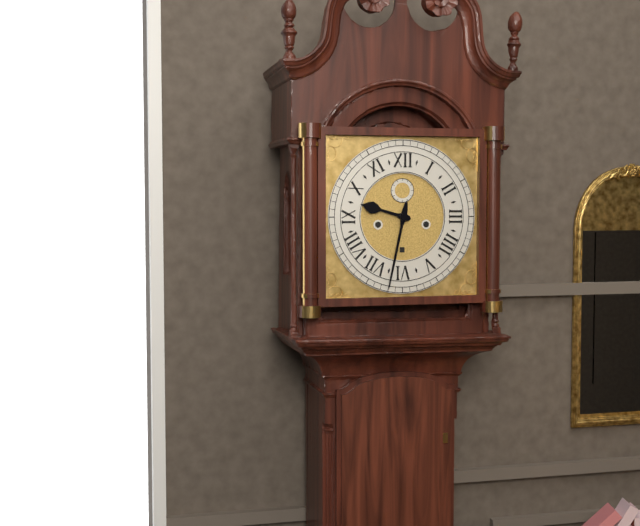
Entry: 9:32
